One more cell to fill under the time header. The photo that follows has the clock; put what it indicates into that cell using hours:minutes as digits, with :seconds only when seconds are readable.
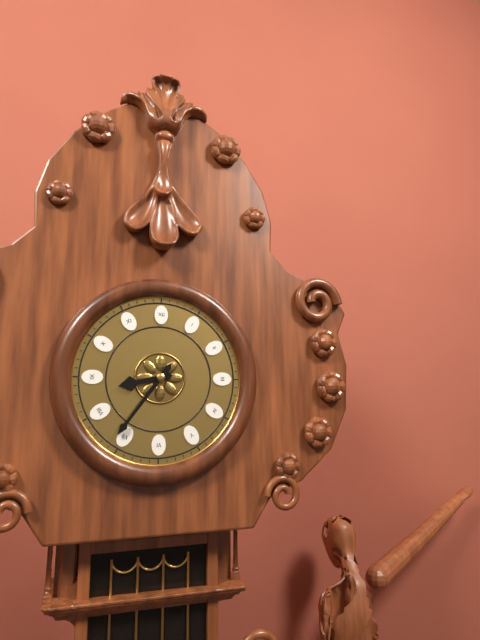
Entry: 8:36
